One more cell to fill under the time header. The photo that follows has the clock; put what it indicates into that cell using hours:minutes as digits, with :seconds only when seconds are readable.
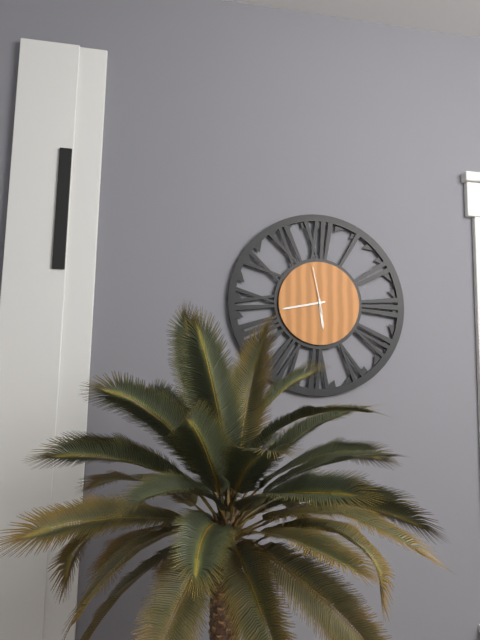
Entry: 5:43
